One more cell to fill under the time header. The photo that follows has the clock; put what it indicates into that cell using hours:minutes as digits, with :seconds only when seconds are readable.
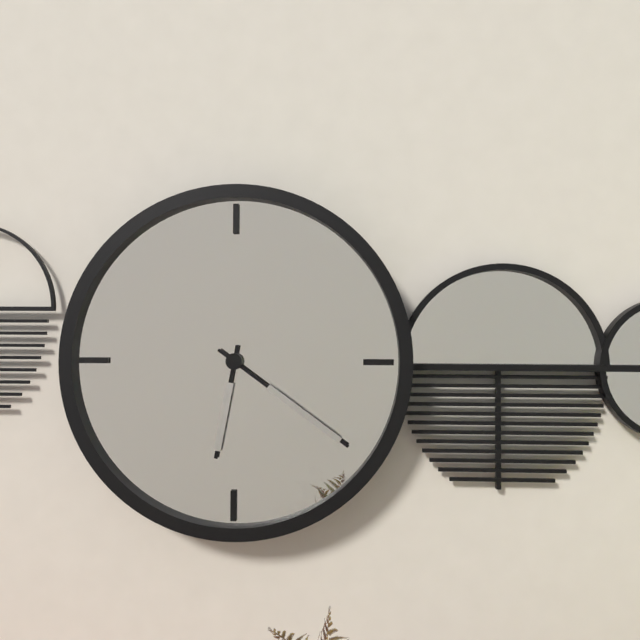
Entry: 6:21
